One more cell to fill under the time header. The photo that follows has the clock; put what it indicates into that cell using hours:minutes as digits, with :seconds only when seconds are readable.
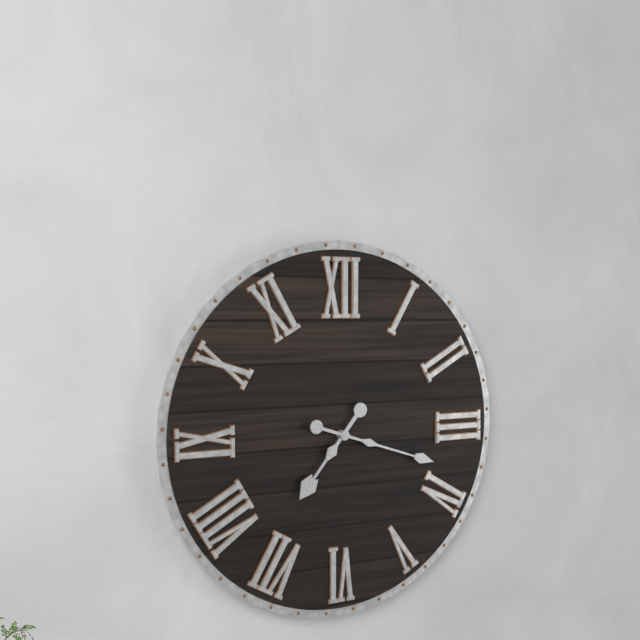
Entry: 7:18
